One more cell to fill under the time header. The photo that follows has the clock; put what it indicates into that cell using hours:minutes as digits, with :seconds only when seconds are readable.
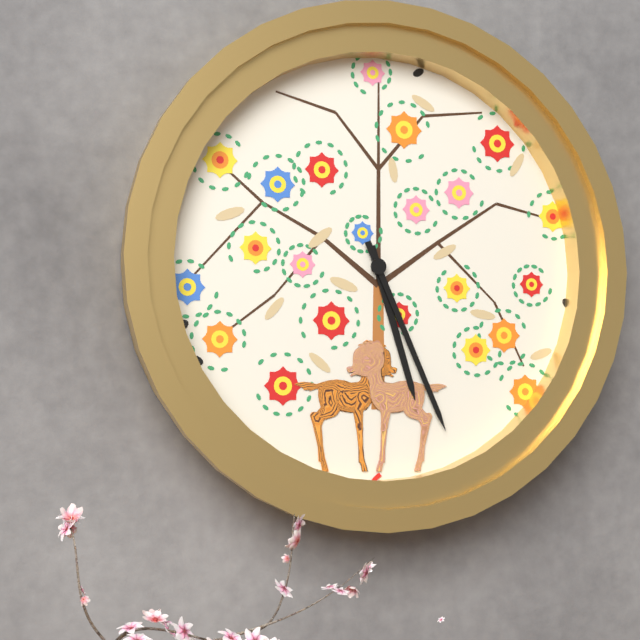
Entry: 5:26
